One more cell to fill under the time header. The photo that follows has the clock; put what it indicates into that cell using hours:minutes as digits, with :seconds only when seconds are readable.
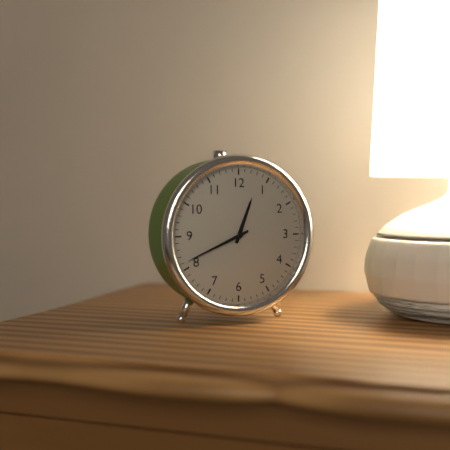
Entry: 12:41
